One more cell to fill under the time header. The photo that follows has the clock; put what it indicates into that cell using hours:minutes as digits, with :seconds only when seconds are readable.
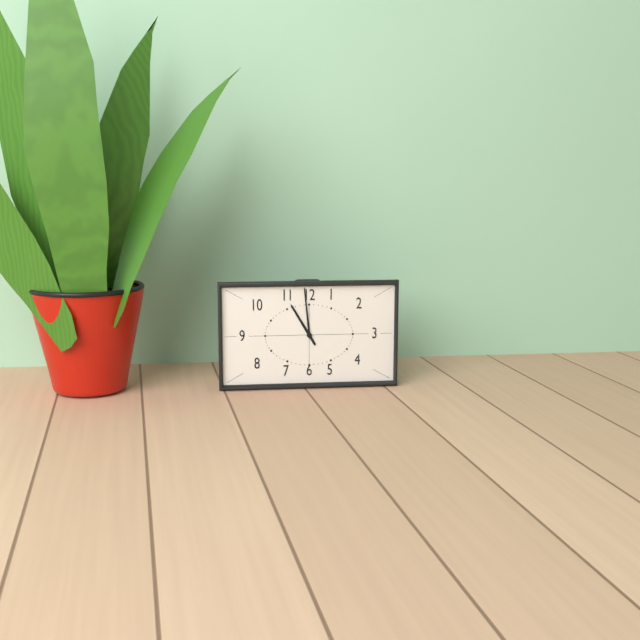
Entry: 10:59
